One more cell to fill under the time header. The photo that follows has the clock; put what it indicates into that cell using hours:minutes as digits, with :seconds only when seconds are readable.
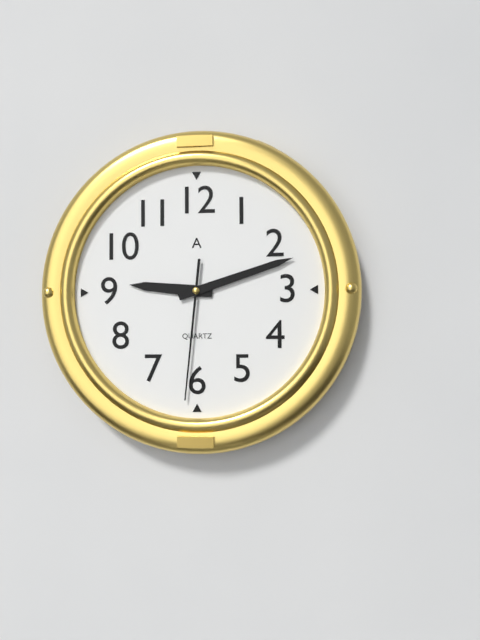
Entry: 9:12:31
